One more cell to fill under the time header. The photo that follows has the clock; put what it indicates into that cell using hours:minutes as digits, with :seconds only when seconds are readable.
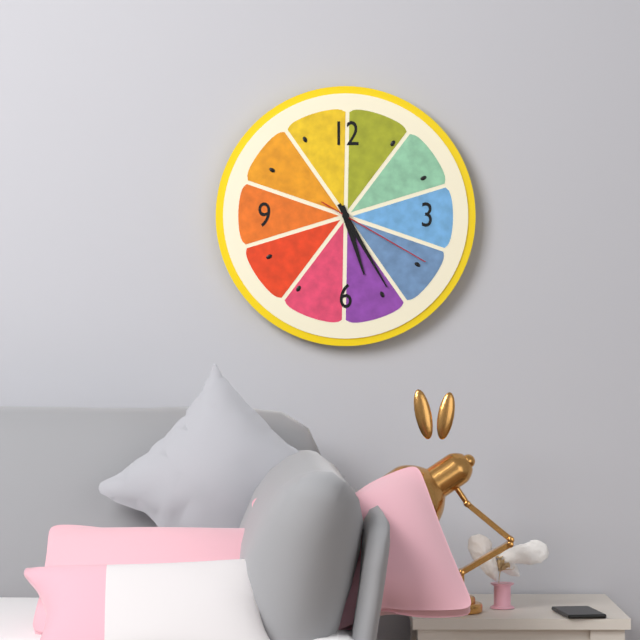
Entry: 5:25:20
